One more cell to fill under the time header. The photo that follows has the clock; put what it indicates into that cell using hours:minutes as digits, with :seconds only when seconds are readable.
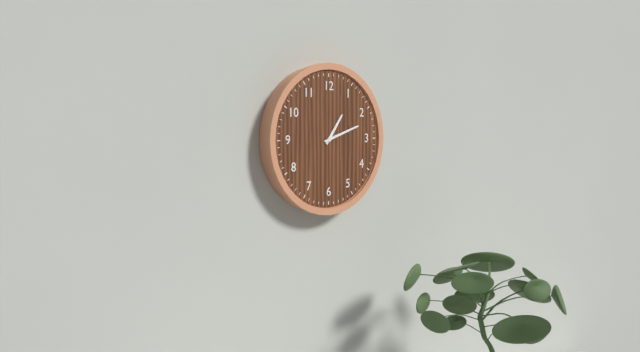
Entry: 1:12
